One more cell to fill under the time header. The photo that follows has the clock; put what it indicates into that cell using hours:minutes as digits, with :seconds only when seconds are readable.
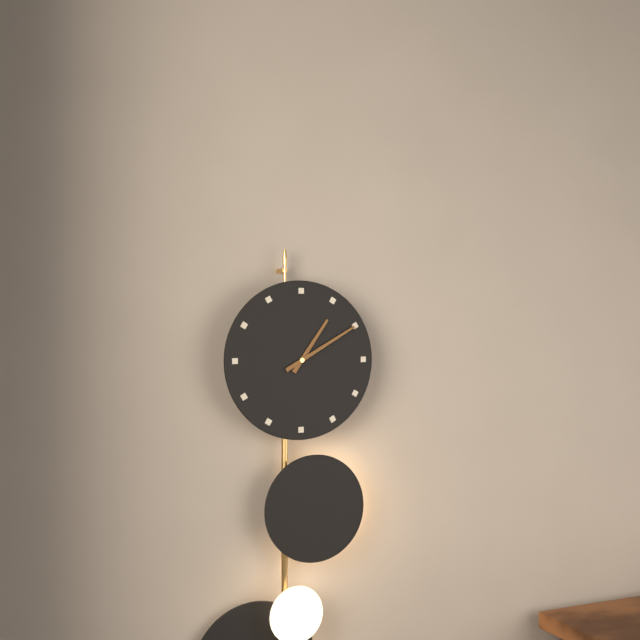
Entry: 1:10
